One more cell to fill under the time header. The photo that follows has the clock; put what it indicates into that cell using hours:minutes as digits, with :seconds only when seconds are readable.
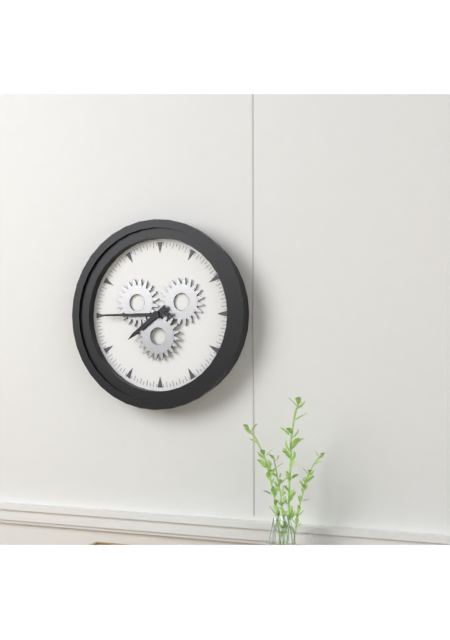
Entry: 7:45
